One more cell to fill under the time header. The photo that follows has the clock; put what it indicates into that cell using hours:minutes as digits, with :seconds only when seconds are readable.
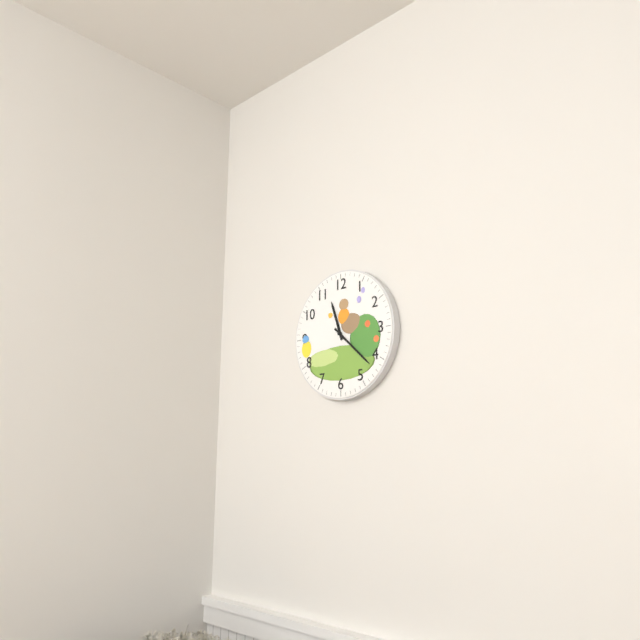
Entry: 11:22
